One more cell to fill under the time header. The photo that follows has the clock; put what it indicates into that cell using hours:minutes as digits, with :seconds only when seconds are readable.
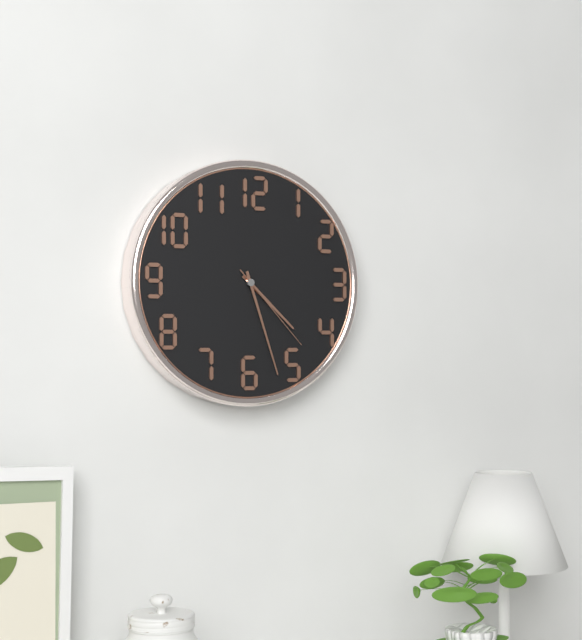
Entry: 4:27:23
